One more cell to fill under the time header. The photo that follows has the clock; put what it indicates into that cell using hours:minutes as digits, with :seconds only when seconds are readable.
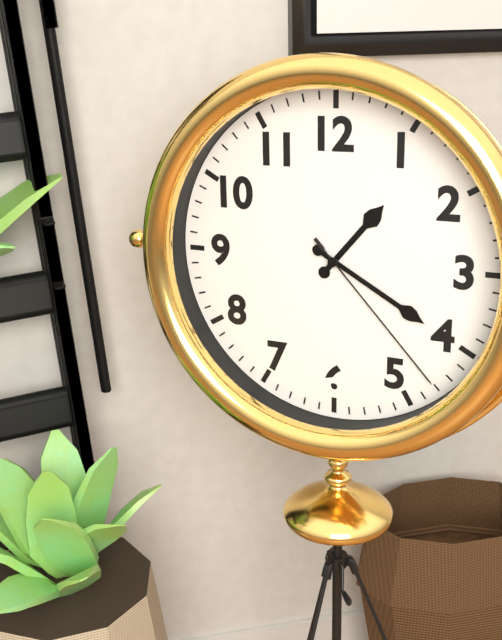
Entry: 1:20:23
